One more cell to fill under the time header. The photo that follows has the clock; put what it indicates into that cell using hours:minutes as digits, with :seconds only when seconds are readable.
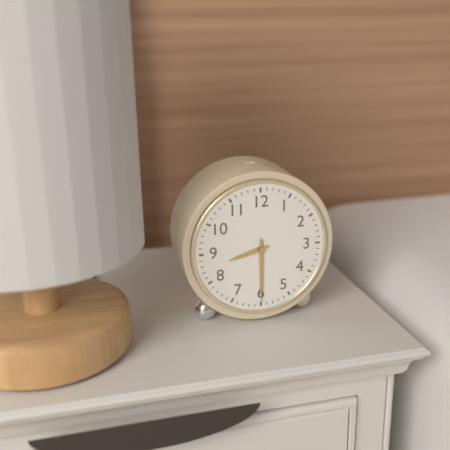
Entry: 8:30
